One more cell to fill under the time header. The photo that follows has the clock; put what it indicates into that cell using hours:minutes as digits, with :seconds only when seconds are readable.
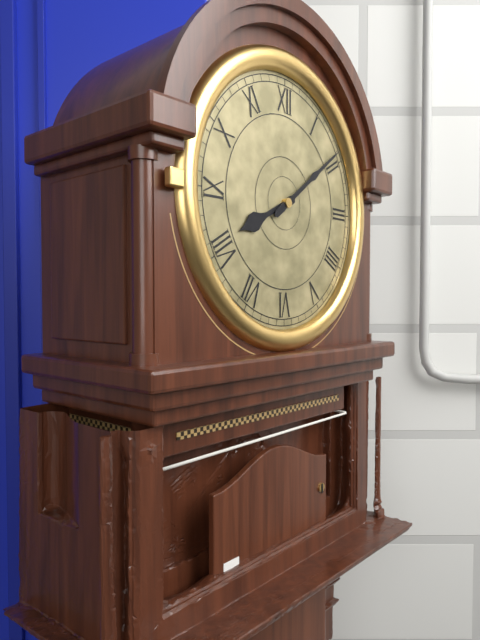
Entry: 8:09
